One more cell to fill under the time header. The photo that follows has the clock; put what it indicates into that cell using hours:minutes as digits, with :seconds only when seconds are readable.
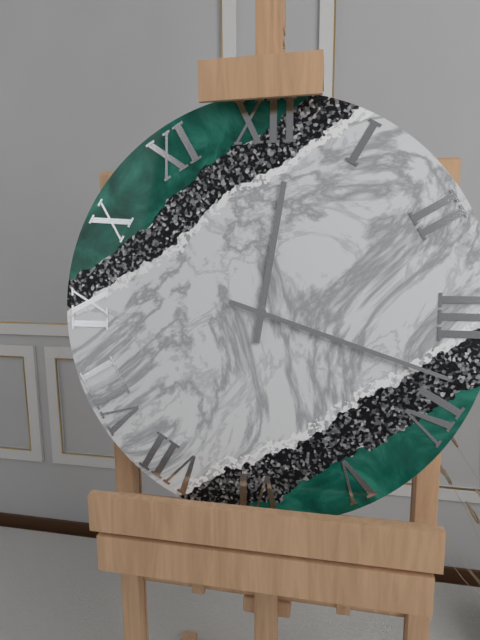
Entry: 12:18
